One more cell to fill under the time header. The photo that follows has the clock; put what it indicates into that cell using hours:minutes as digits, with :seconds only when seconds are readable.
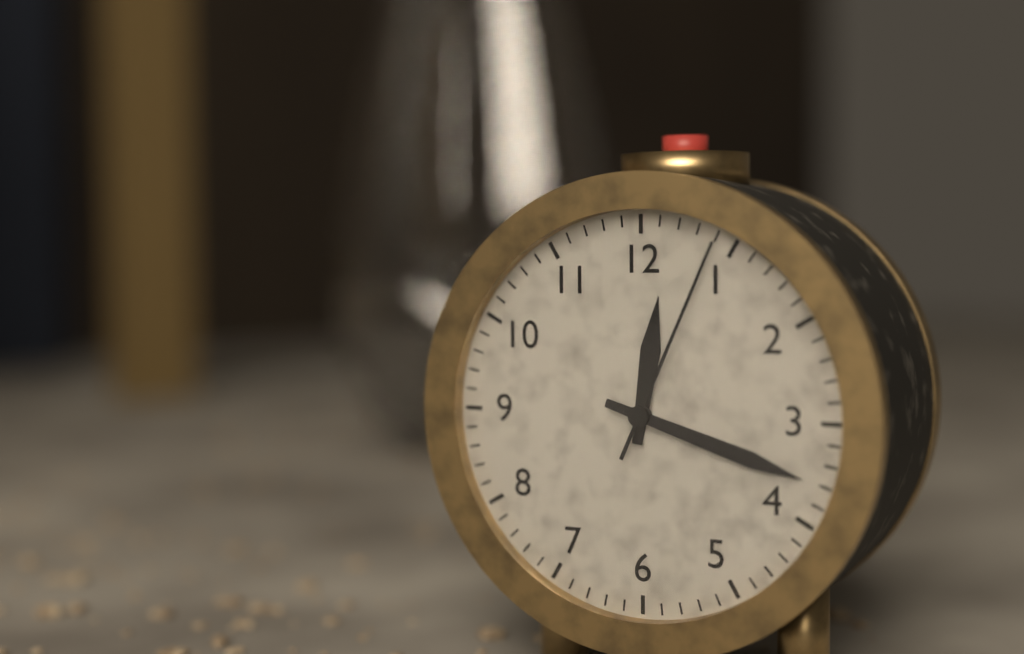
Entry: 12:18:04
